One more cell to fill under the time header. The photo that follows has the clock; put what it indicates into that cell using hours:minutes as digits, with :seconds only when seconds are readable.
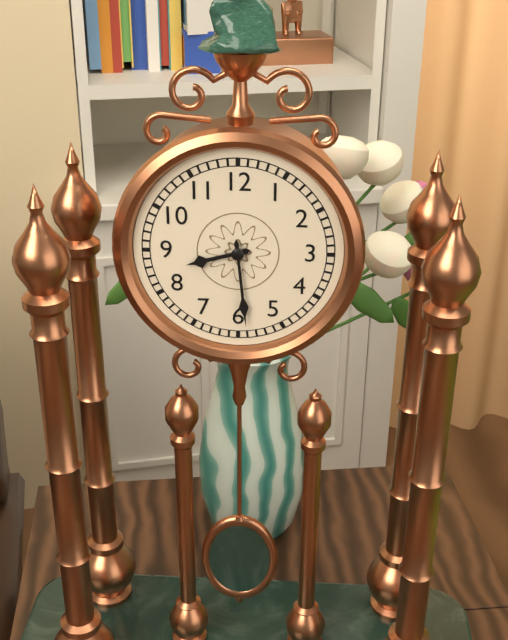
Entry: 8:29
